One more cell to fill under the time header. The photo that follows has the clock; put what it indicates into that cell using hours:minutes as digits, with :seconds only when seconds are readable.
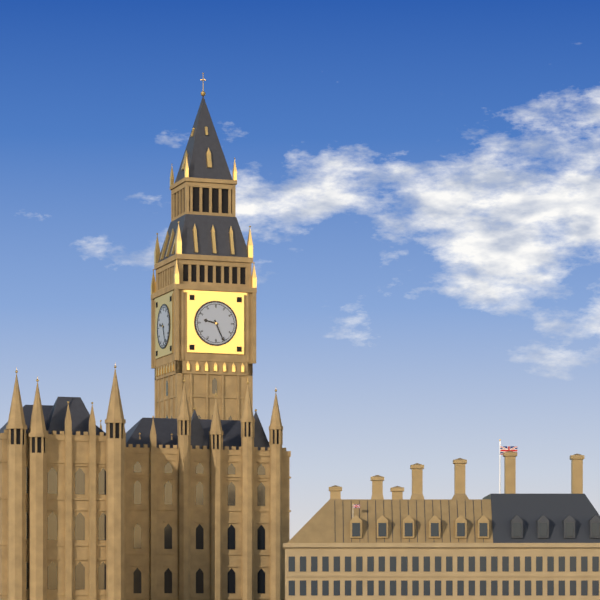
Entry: 9:26
